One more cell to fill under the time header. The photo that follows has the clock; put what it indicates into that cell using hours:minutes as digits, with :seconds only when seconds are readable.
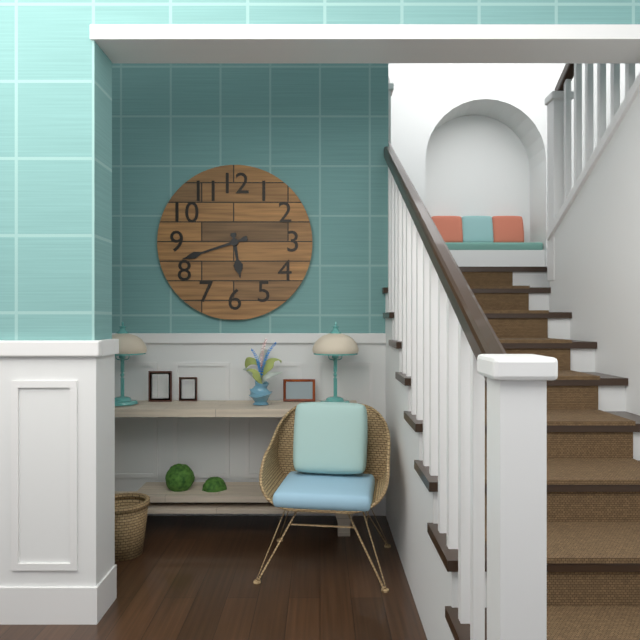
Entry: 5:42
